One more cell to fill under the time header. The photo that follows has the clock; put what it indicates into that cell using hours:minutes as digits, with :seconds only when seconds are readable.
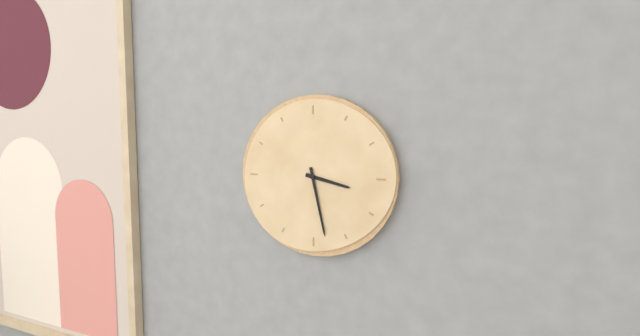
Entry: 3:28
